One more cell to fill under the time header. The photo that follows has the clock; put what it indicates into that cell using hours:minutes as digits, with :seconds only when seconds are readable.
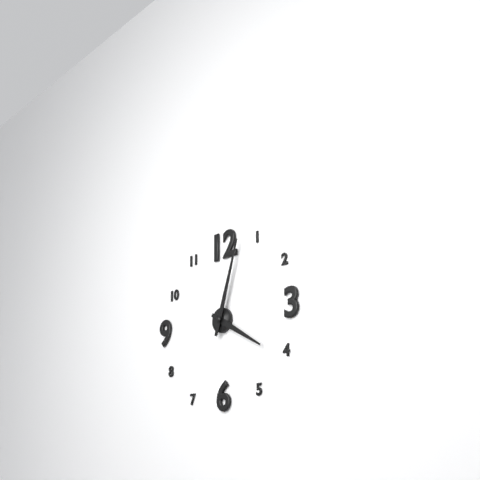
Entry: 4:03
